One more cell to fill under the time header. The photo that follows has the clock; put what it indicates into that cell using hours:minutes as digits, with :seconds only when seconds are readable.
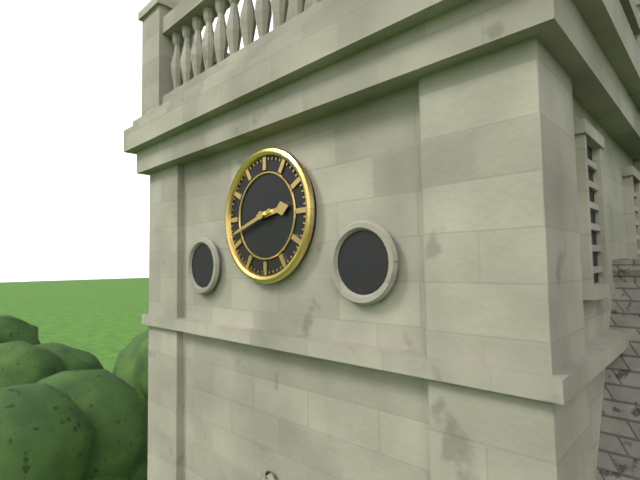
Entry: 2:42
